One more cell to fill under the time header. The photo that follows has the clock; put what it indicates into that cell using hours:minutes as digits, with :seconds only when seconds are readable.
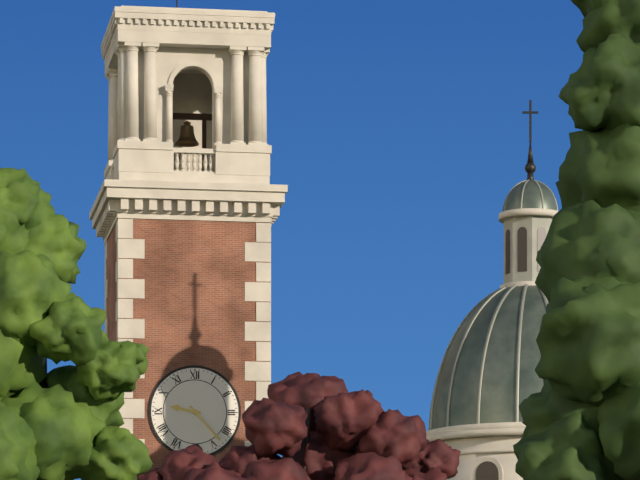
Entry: 9:23
